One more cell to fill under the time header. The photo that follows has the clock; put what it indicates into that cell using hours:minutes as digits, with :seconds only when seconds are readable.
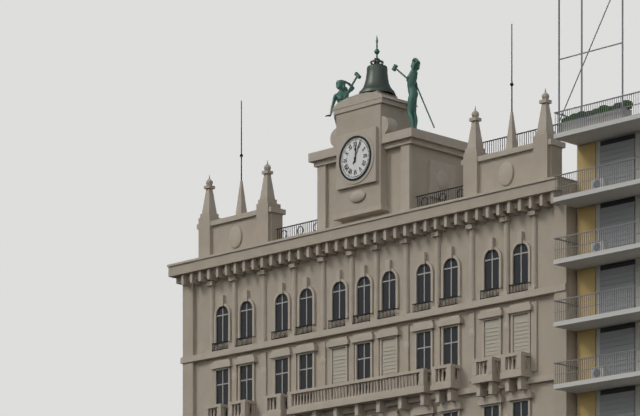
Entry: 12:04
